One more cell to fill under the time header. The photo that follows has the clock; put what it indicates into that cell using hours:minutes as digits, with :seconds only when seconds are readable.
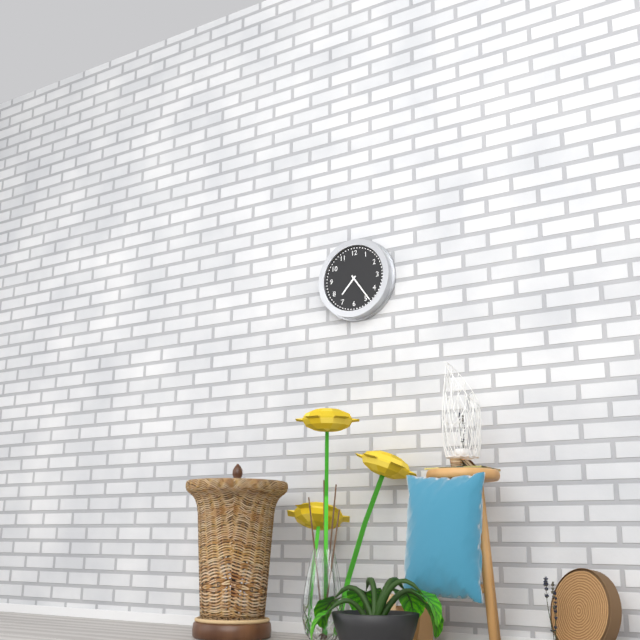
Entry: 7:24
